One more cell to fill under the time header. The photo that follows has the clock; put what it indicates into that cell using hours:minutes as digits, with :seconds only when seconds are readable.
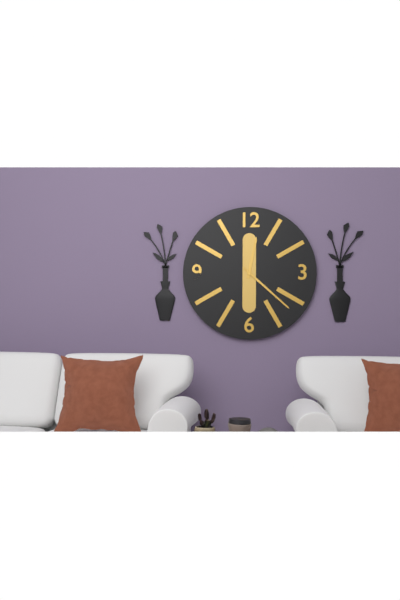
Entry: 12:22
